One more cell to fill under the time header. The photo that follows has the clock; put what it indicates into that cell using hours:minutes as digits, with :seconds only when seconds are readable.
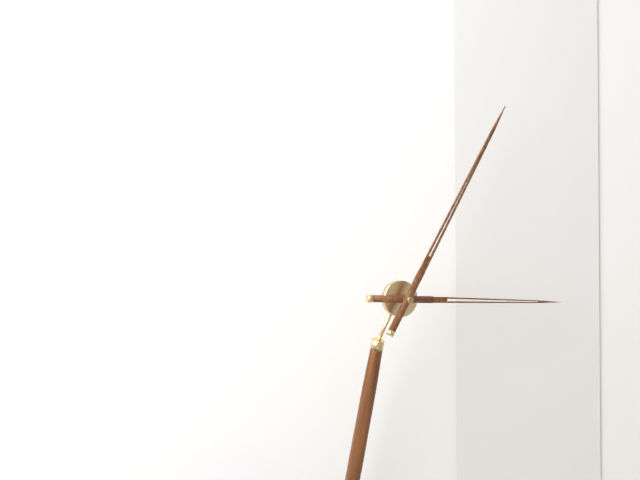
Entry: 3:05
